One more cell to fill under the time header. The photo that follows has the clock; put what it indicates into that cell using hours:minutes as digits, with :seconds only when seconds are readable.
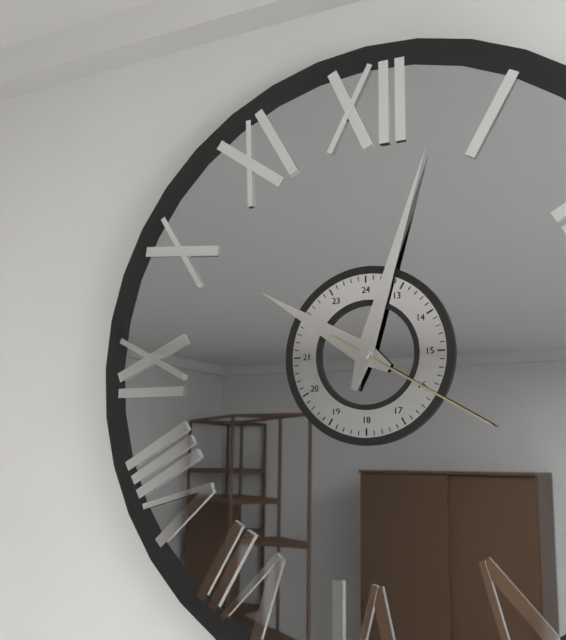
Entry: 10:03:20
